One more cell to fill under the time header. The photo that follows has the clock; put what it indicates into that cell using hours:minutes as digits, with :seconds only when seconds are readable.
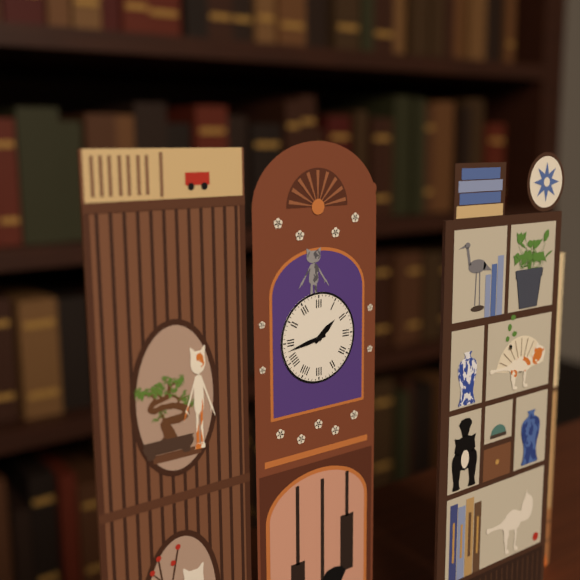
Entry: 1:43
